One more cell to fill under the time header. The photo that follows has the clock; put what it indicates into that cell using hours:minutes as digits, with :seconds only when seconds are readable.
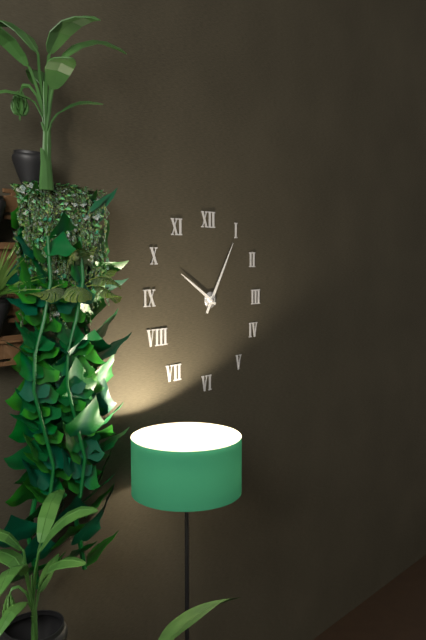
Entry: 10:05
